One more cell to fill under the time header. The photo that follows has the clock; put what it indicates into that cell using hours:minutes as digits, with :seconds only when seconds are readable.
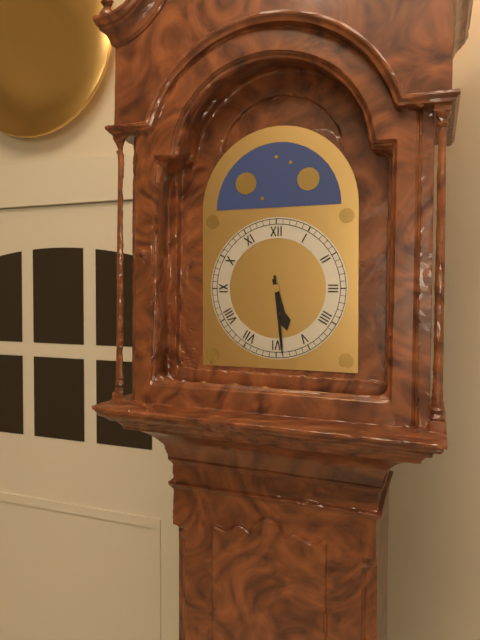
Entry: 5:29
